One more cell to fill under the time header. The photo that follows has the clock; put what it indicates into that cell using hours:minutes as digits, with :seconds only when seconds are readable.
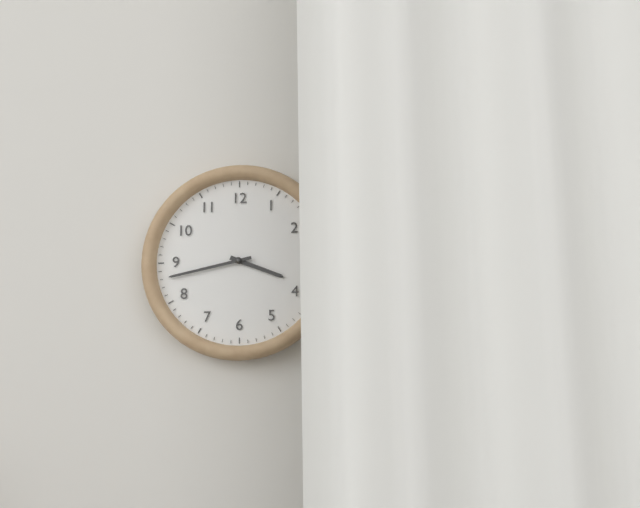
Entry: 3:43
